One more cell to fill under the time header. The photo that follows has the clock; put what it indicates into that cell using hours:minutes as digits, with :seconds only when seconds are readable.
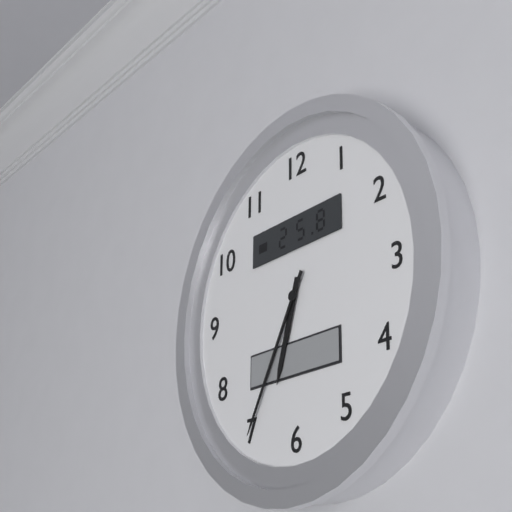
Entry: 6:35
